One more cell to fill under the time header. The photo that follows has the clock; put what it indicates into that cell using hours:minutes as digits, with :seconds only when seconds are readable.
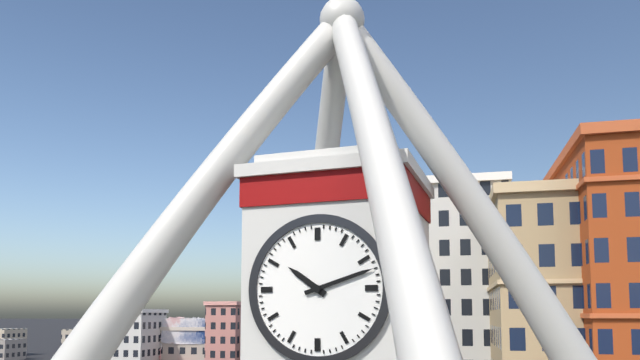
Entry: 10:12
